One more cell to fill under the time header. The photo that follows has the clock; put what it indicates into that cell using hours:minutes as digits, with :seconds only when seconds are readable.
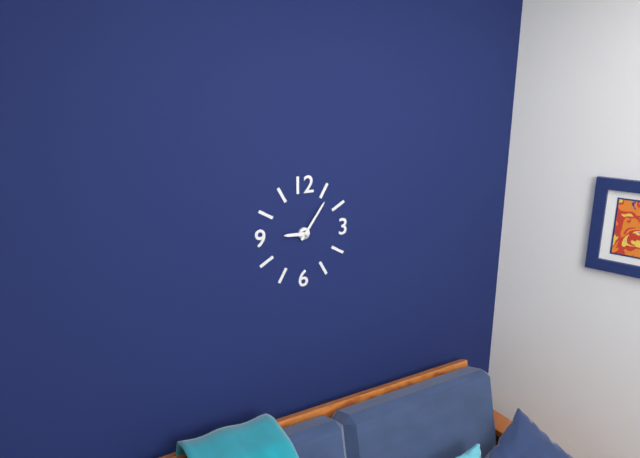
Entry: 9:06
